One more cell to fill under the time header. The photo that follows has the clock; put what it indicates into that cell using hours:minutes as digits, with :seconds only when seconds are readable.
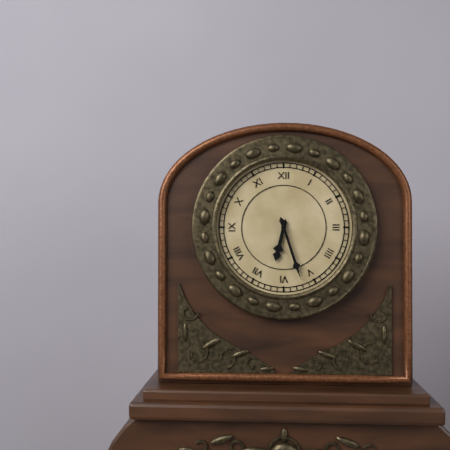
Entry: 6:27
